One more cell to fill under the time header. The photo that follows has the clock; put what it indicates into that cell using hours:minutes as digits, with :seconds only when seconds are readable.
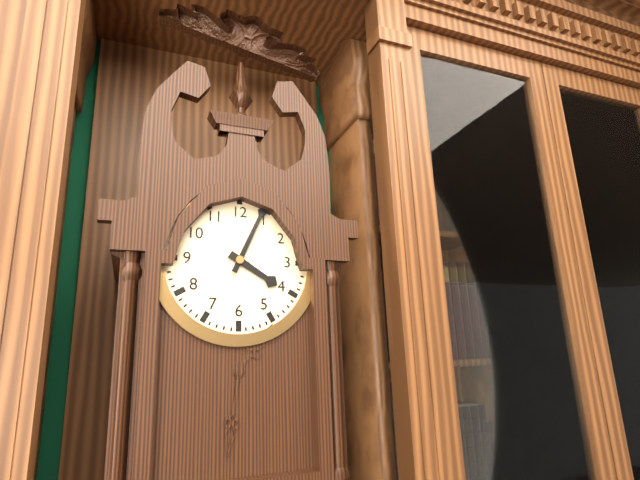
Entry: 4:04
